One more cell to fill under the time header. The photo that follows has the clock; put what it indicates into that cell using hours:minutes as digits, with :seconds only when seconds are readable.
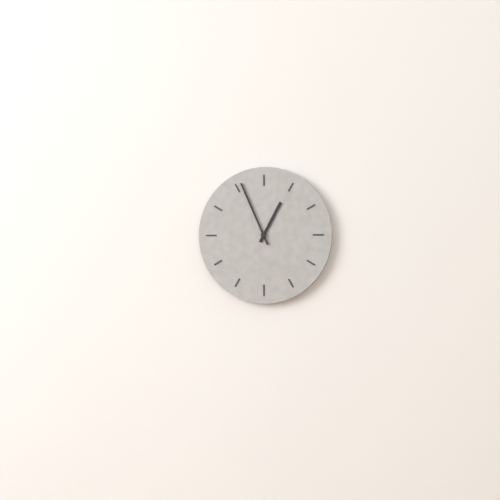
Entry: 12:56
